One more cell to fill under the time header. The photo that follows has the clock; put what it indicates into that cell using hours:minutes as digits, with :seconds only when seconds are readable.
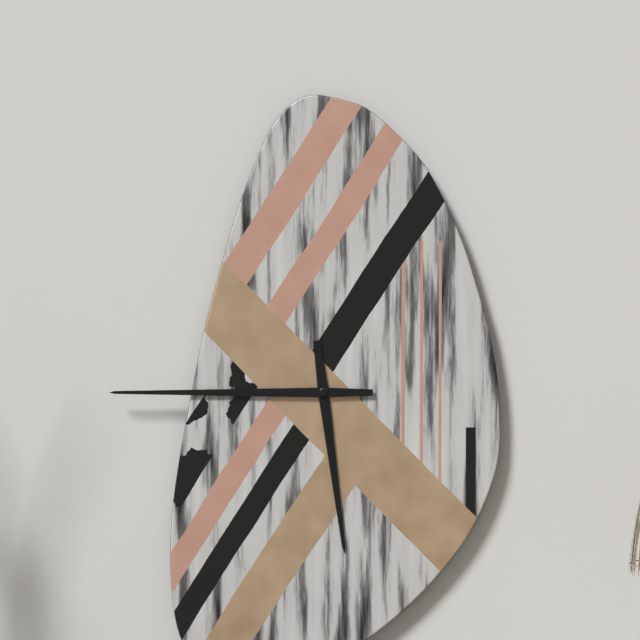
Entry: 5:45
